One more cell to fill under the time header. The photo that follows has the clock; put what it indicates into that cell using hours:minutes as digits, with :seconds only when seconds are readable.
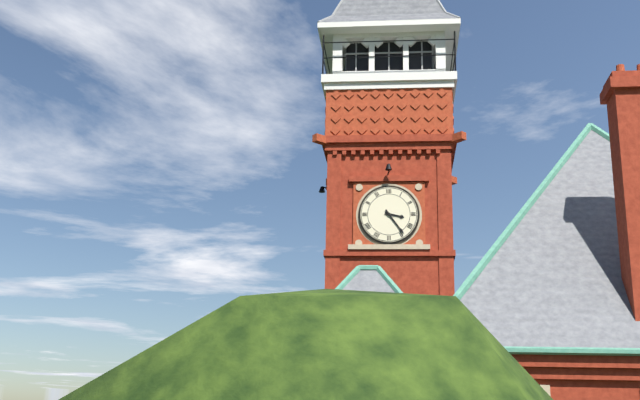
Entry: 3:24
